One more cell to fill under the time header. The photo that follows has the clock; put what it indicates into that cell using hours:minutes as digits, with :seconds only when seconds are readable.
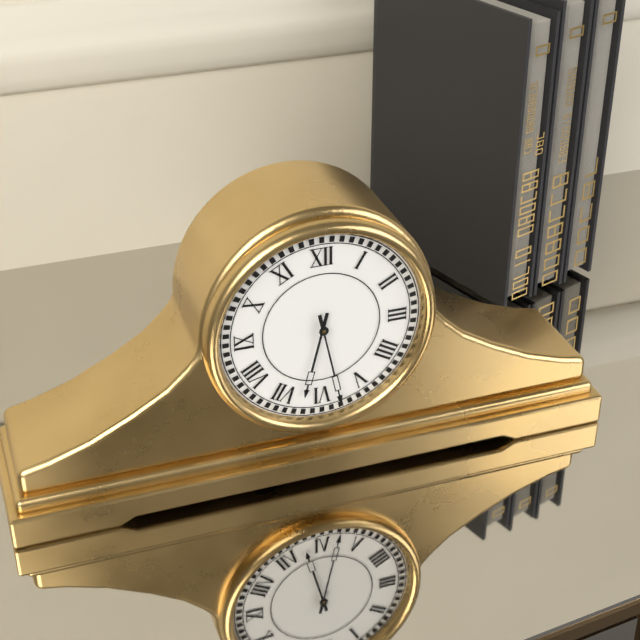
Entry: 6:28
